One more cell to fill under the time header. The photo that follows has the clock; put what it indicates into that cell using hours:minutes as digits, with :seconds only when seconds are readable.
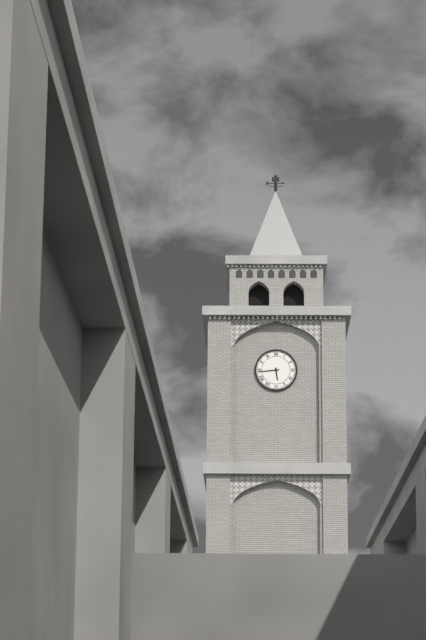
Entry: 5:44
